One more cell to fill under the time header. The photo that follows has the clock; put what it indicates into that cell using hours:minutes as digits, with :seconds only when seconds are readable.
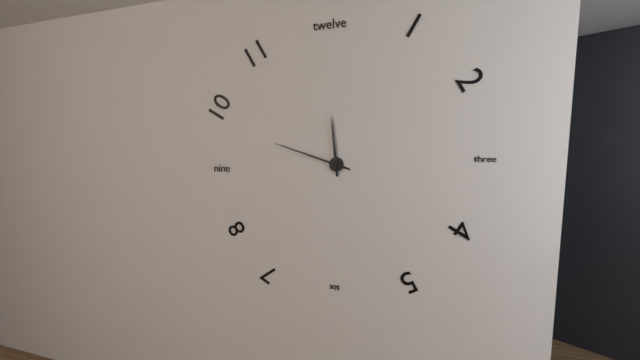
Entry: 11:48
